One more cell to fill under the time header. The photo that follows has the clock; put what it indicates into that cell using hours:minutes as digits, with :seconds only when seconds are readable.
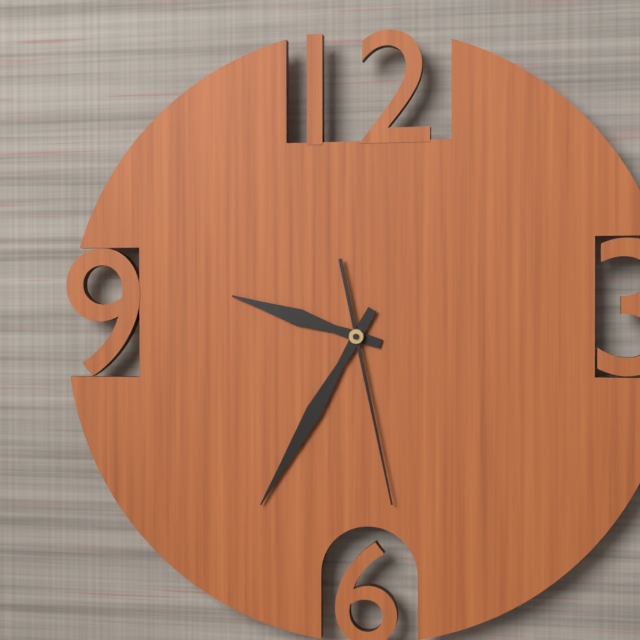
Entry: 9:35:28
